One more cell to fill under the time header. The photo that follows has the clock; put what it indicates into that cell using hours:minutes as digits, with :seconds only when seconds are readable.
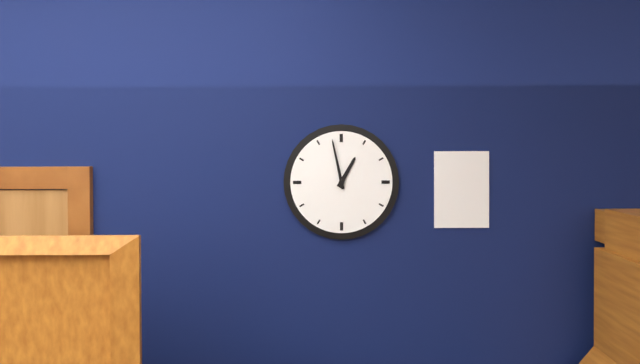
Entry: 12:58
